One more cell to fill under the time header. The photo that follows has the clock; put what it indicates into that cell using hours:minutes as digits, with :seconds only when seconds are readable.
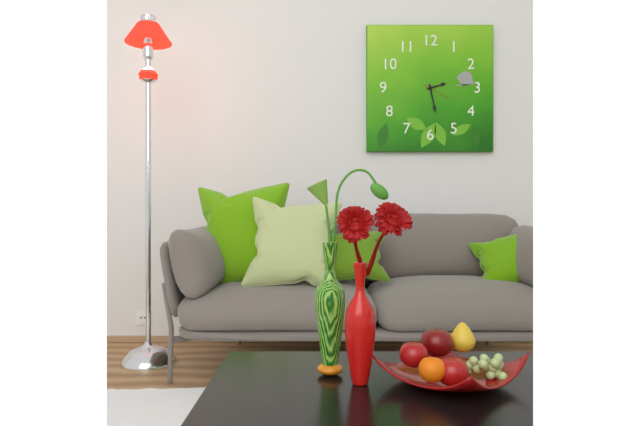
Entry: 2:28
